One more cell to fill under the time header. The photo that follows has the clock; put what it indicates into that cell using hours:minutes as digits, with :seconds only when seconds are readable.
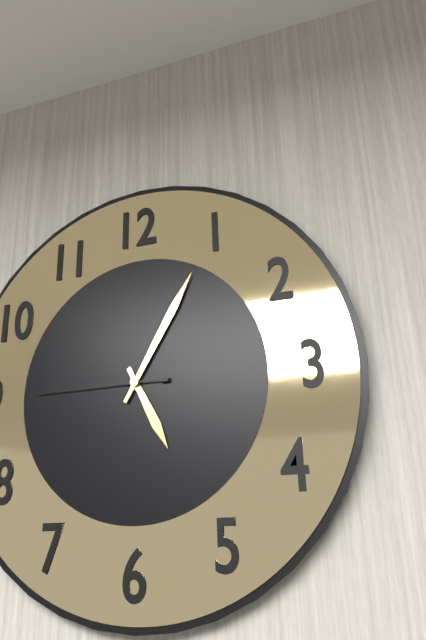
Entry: 5:05:45
